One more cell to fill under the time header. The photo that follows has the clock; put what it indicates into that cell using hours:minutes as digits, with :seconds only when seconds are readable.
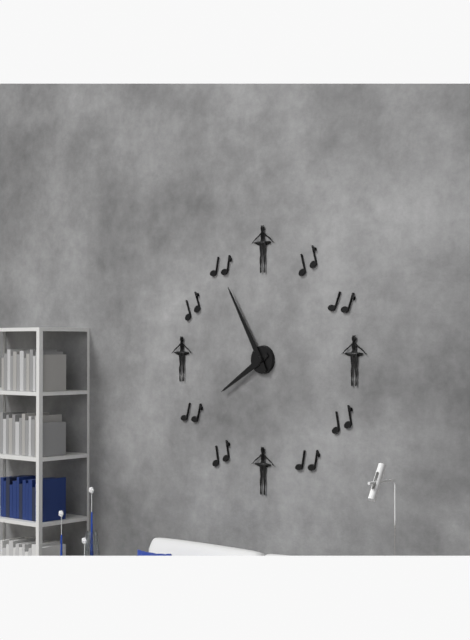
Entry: 7:55
